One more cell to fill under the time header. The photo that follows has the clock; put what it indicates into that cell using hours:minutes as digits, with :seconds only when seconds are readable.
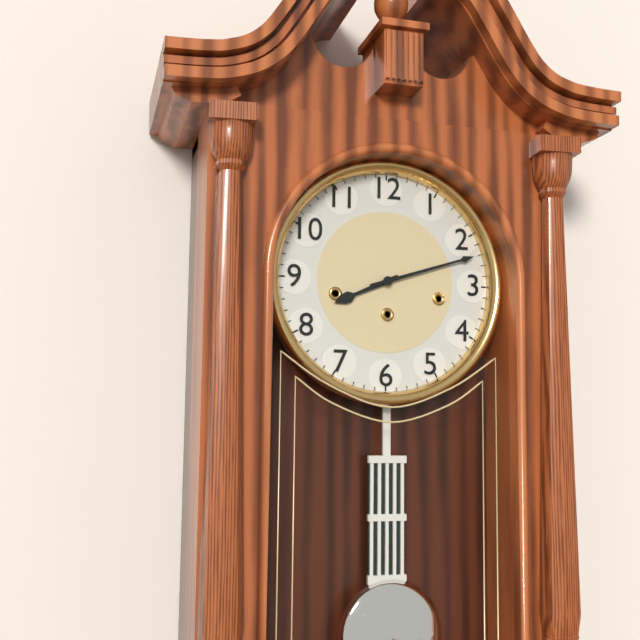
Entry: 8:12
